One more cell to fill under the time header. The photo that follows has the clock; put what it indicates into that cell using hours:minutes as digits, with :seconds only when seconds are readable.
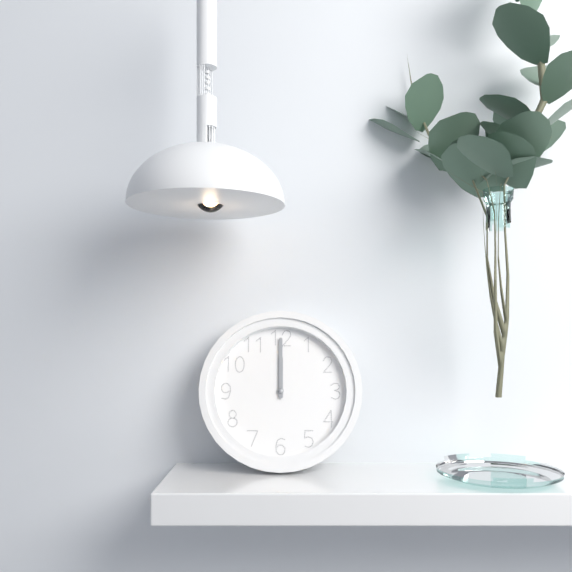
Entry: 12:00
